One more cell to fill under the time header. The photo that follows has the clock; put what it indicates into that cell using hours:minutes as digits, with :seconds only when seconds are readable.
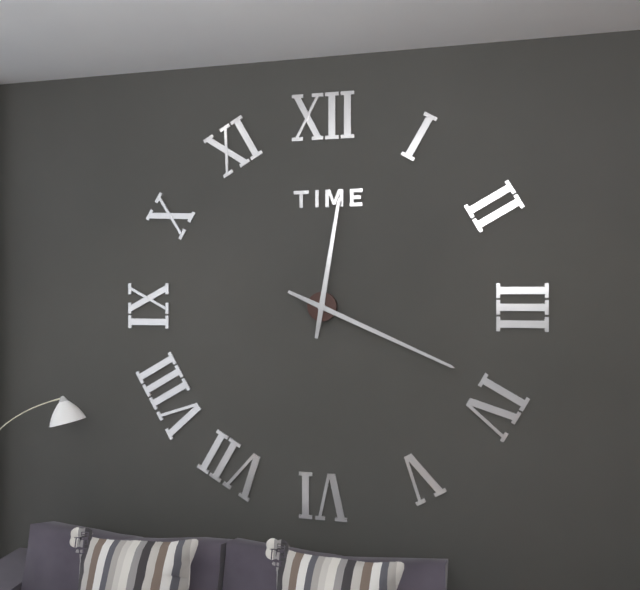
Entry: 12:19
